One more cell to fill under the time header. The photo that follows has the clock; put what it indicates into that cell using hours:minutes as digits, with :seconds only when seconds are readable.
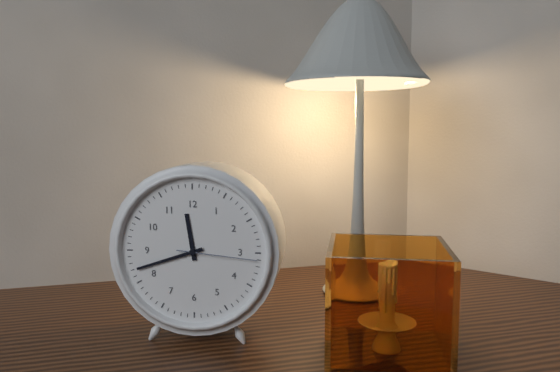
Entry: 11:42:16
